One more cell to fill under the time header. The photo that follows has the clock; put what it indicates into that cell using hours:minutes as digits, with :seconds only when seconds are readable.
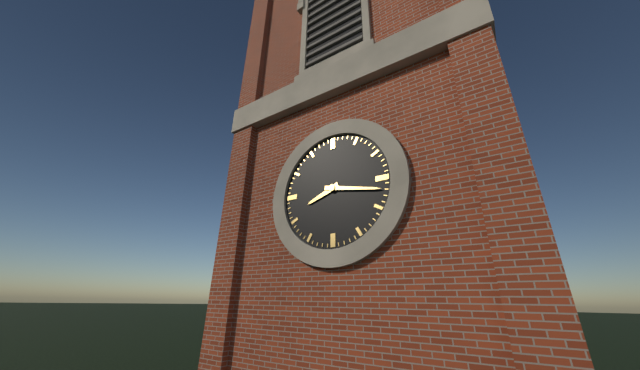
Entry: 8:17
